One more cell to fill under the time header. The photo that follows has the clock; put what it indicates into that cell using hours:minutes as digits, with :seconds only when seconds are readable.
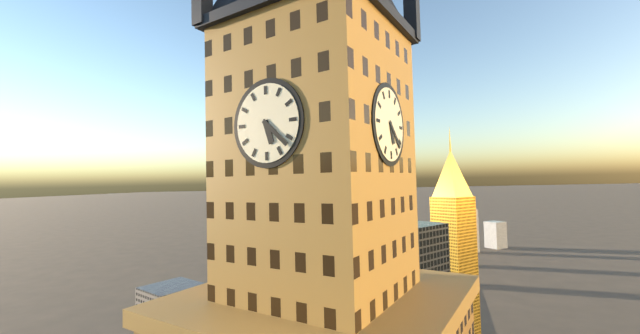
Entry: 5:22
